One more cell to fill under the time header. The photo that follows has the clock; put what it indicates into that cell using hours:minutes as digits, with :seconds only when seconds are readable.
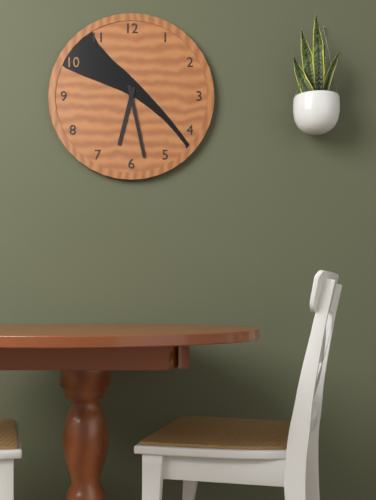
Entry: 6:28
